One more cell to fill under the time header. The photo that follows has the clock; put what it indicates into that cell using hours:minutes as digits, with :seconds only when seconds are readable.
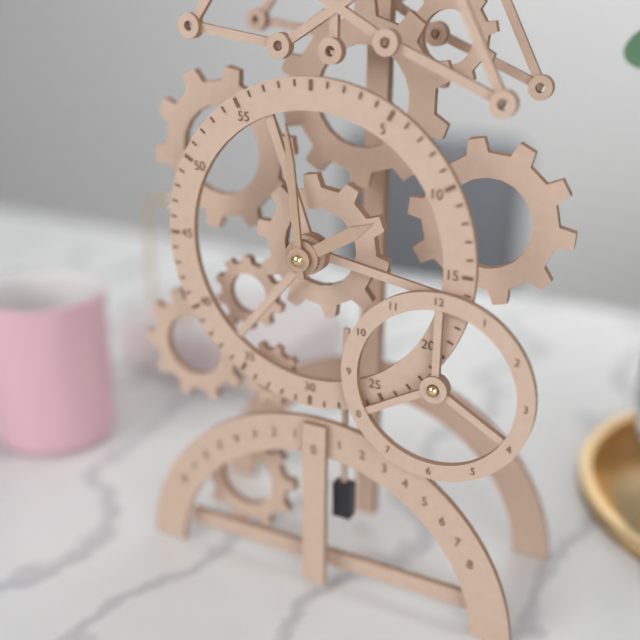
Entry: 1:59
